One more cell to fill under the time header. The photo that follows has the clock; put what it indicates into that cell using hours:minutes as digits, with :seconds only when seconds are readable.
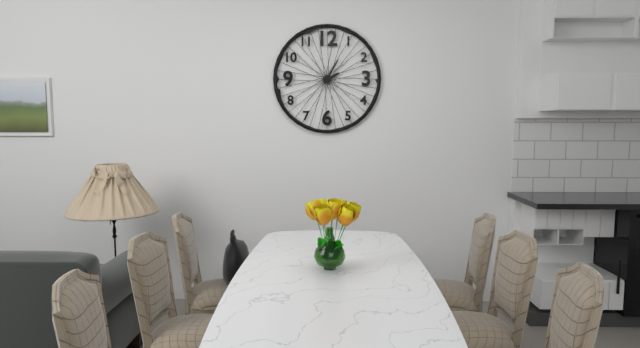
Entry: 2:05
